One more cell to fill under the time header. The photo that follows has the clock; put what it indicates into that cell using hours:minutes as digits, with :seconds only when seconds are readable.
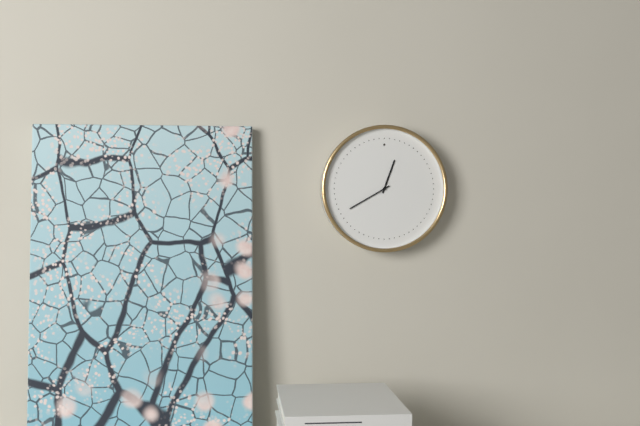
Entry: 12:40
